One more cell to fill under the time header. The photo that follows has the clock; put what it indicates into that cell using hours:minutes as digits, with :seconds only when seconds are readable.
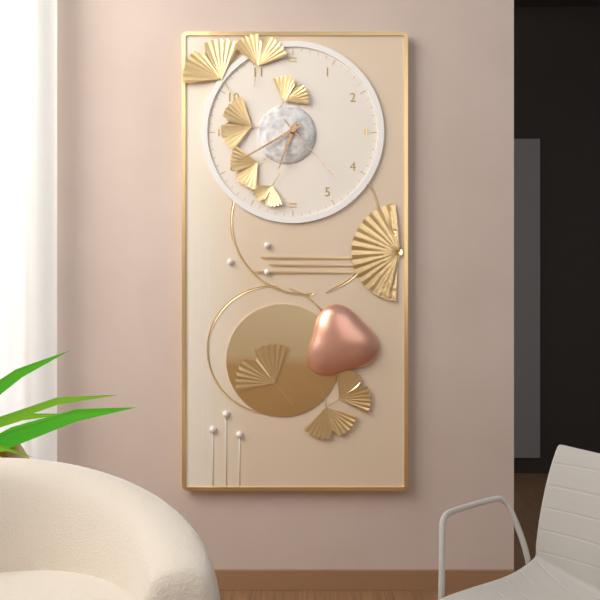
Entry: 6:40:23
